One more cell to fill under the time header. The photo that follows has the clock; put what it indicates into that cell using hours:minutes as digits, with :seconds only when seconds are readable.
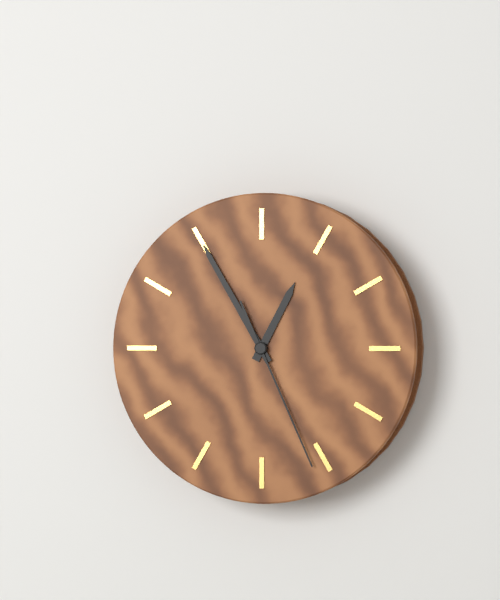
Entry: 12:55:26
